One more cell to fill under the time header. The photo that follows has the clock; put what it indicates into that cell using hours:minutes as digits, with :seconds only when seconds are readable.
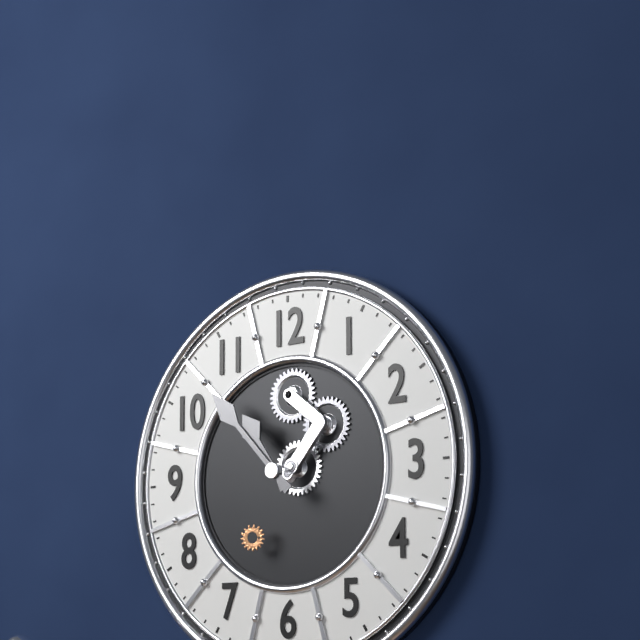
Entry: 10:53
